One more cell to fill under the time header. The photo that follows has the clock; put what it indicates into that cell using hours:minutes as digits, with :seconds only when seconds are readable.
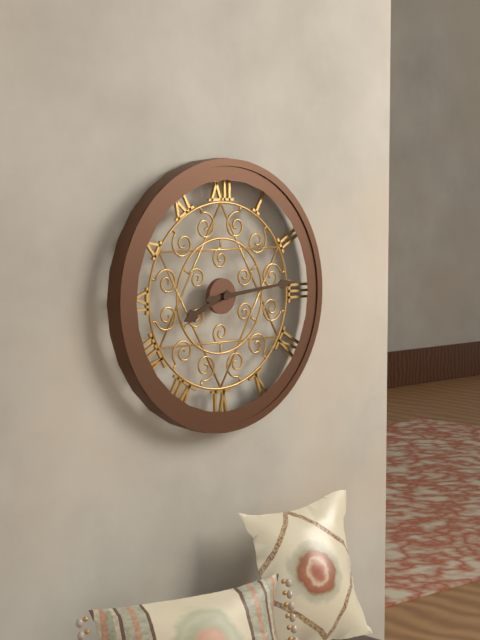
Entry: 8:14
